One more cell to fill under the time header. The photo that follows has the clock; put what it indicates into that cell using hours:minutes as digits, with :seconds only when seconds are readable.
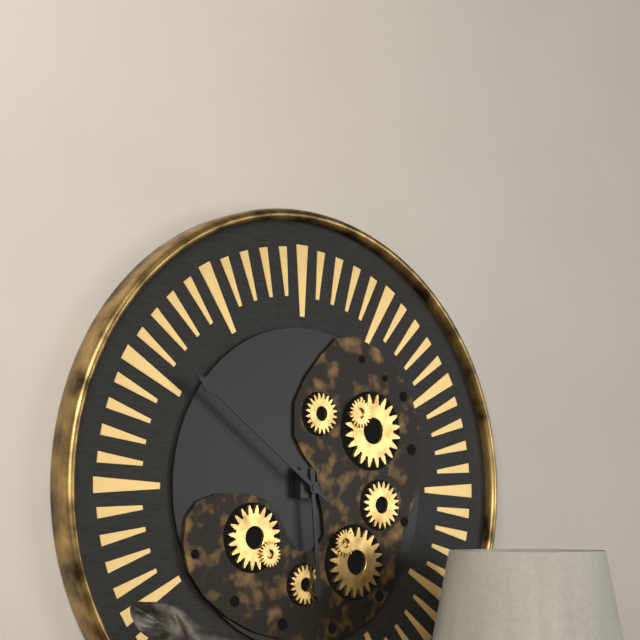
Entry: 5:51
